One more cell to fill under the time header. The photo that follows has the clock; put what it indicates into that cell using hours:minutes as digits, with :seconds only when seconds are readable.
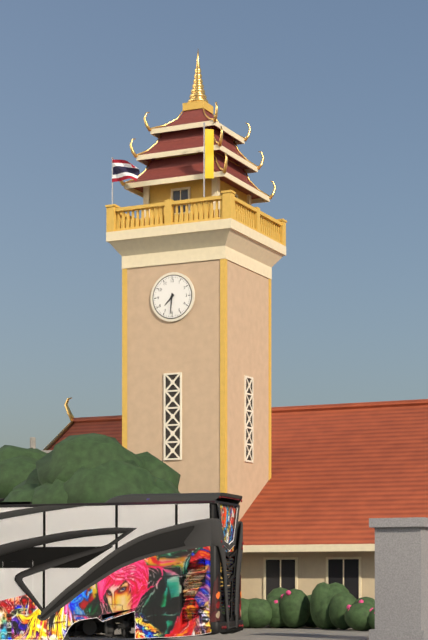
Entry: 7:31
